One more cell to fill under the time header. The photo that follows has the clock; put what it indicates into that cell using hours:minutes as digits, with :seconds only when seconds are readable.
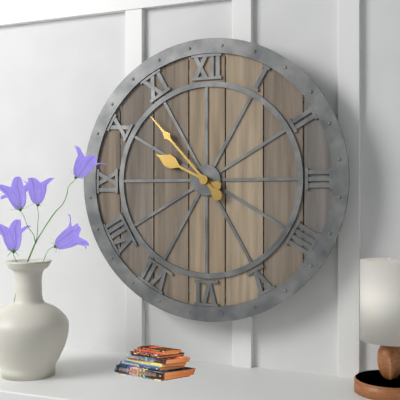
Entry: 9:53
